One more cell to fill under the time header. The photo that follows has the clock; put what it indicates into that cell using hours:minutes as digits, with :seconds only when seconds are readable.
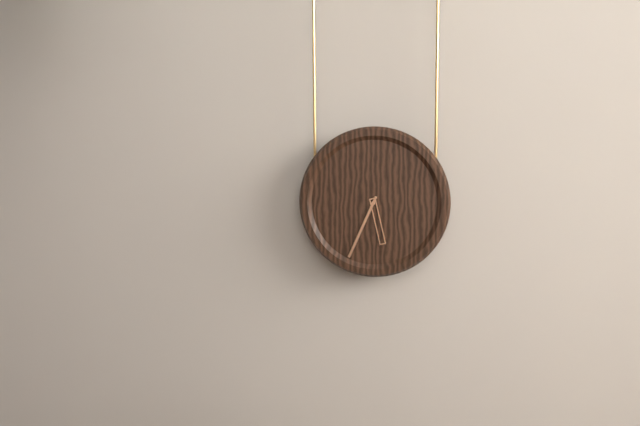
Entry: 5:34
